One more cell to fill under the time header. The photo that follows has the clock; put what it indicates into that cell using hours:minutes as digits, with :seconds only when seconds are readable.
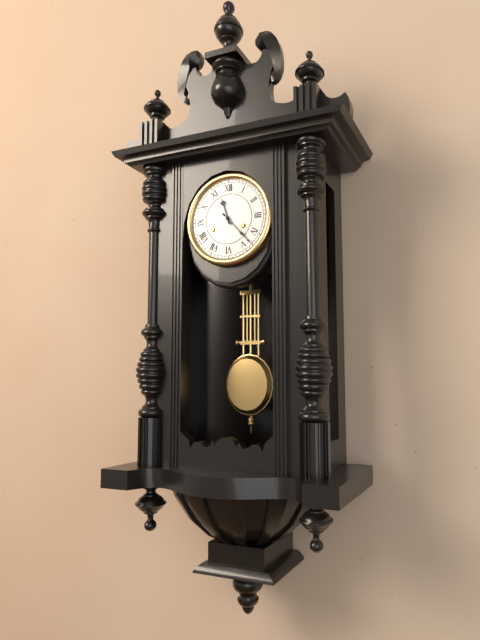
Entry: 11:23
